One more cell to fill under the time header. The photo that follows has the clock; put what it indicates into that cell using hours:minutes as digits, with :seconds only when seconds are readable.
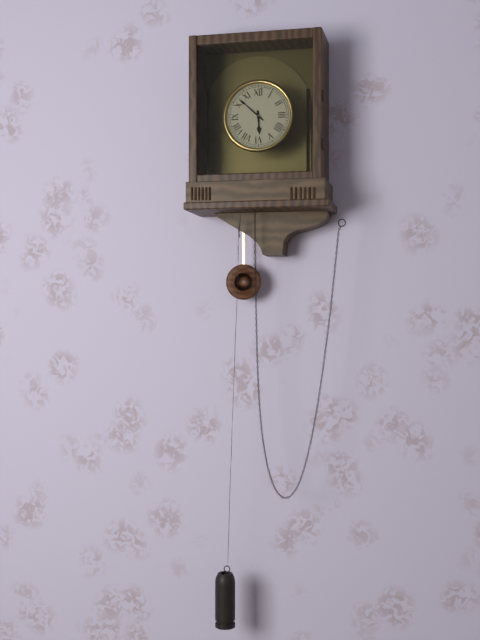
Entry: 5:52
